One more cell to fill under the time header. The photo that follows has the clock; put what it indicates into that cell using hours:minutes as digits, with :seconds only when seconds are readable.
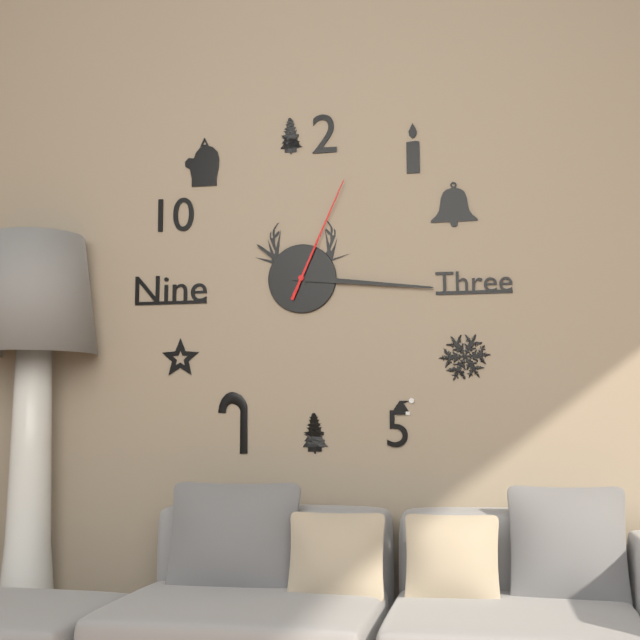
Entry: 10:16:04
